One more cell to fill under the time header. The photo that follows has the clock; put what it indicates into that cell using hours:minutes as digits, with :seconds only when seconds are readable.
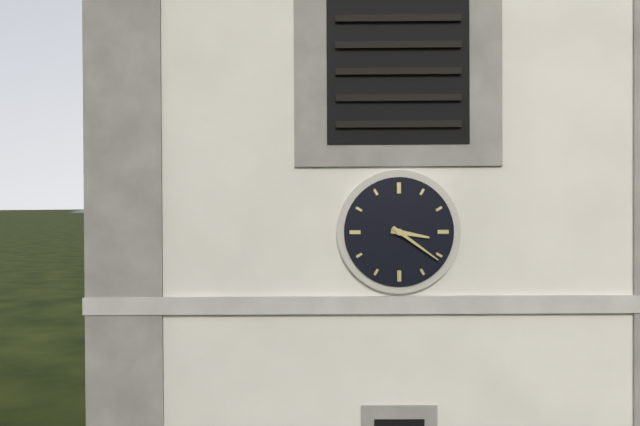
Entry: 3:21
